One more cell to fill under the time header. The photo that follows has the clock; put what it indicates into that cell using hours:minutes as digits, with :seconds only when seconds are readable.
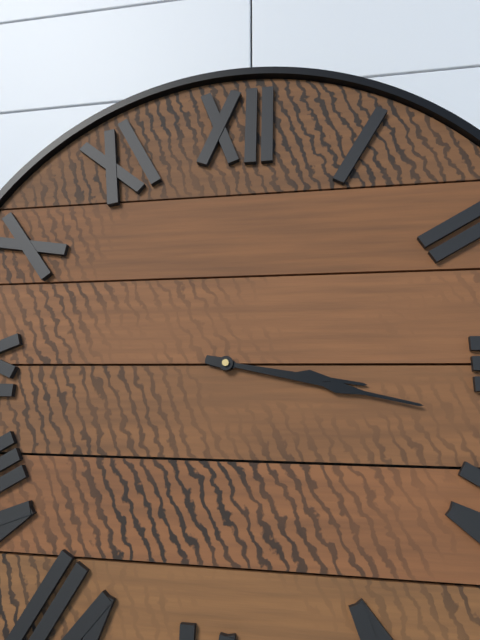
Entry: 3:17
